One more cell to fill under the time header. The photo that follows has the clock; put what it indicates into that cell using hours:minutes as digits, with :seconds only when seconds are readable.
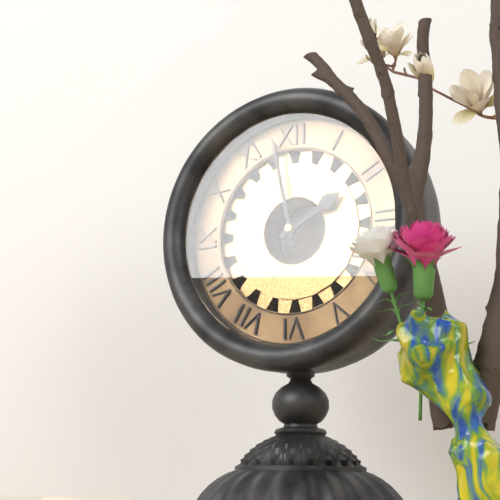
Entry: 1:58
